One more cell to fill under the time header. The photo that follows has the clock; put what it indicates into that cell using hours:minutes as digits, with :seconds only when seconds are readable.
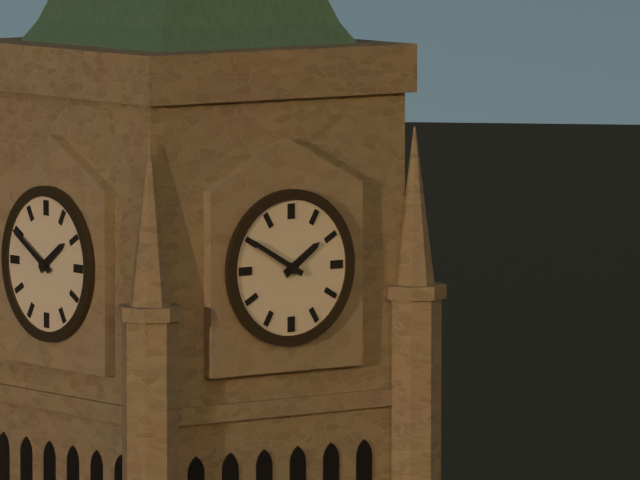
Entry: 1:50
